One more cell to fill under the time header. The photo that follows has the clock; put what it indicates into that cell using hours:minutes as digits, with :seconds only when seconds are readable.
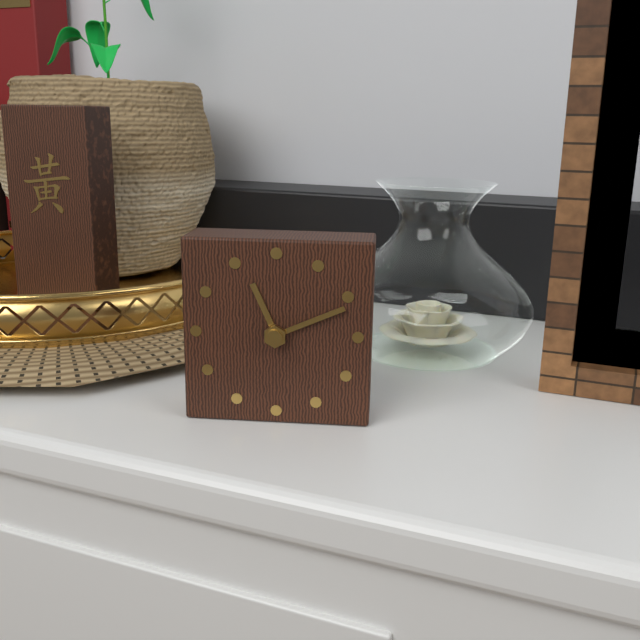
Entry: 11:11
